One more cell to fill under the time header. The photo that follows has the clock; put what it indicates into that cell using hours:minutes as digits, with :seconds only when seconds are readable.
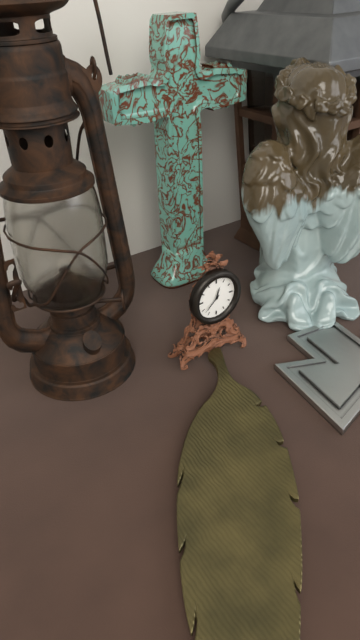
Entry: 12:38
